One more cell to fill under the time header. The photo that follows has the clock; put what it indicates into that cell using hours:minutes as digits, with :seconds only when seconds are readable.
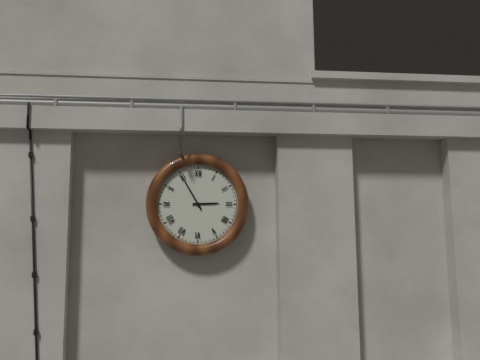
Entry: 2:55
